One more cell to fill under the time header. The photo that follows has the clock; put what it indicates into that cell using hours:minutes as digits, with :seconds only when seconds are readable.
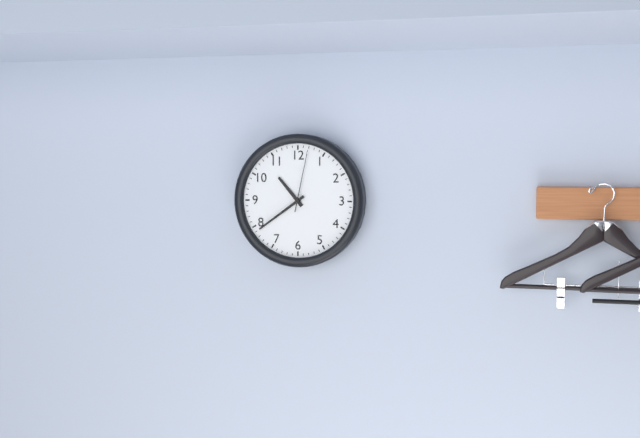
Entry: 10:39:02
